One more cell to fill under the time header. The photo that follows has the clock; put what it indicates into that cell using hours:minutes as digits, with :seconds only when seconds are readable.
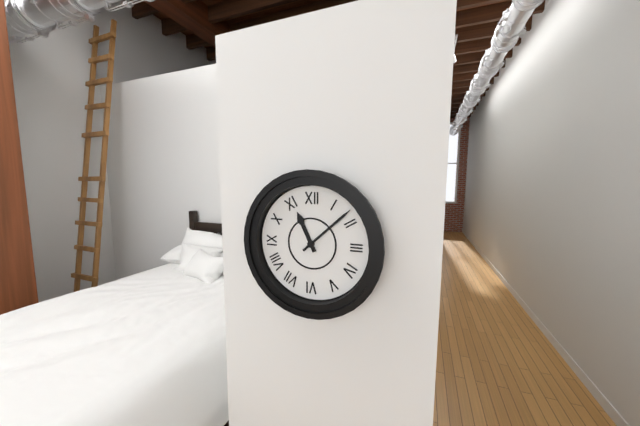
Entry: 11:08
